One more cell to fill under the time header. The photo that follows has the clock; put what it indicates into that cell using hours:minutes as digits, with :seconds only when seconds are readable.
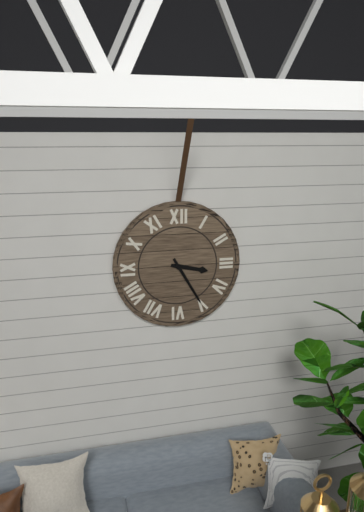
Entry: 3:25
